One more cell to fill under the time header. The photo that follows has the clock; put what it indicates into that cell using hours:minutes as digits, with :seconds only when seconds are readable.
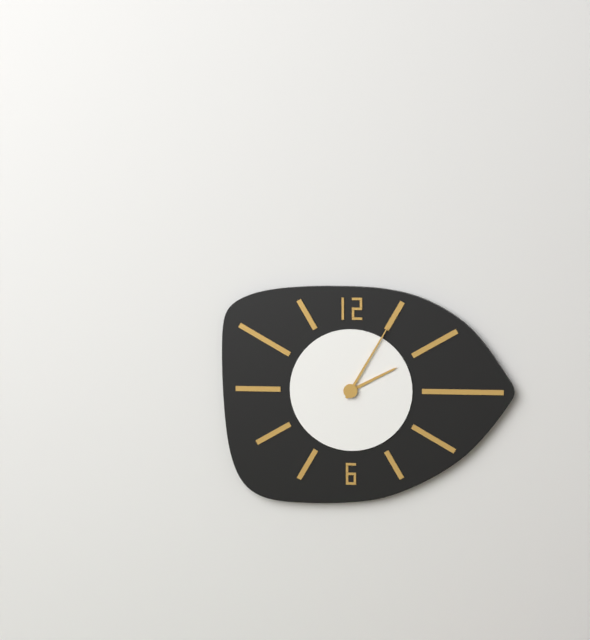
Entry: 2:05
